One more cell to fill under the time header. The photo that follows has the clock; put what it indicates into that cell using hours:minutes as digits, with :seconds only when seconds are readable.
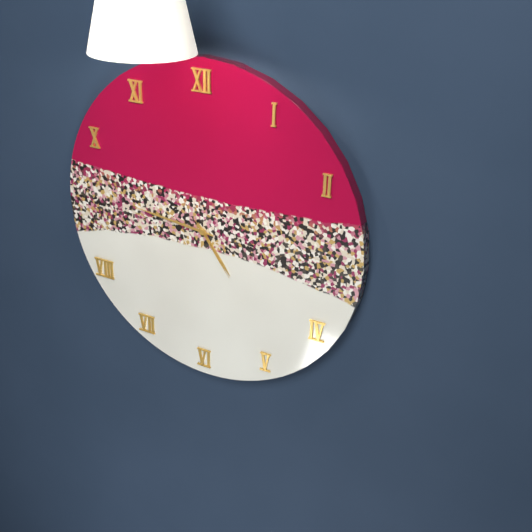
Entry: 4:46:24
